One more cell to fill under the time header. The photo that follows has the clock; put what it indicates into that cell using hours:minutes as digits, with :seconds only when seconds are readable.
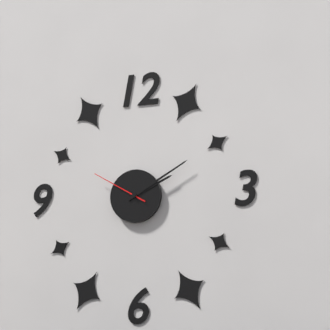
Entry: 2:10:50
